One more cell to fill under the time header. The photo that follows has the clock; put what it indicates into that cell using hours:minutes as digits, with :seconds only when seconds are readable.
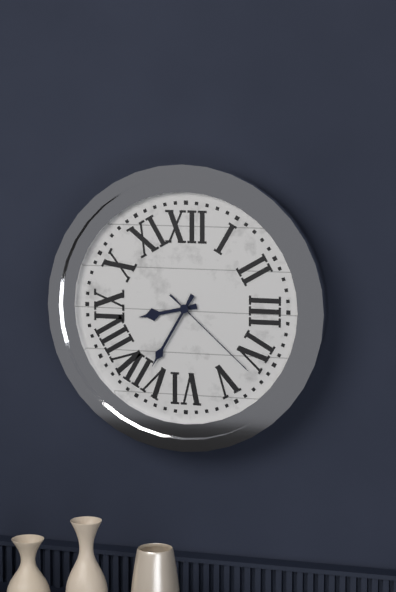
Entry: 8:35:22
